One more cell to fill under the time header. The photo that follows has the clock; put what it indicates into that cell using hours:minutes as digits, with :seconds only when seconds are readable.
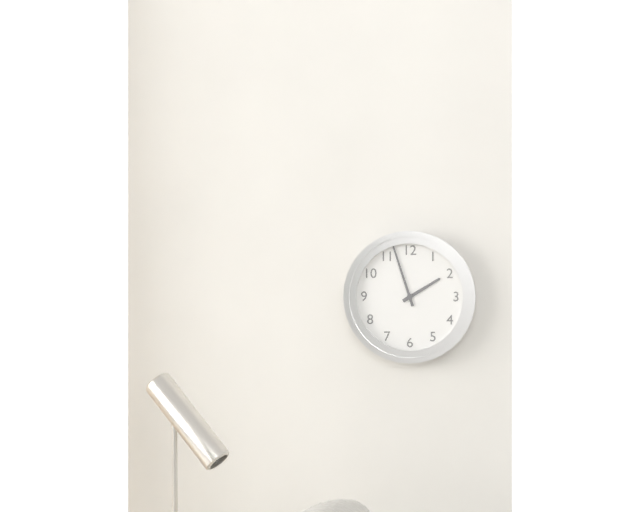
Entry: 1:57
